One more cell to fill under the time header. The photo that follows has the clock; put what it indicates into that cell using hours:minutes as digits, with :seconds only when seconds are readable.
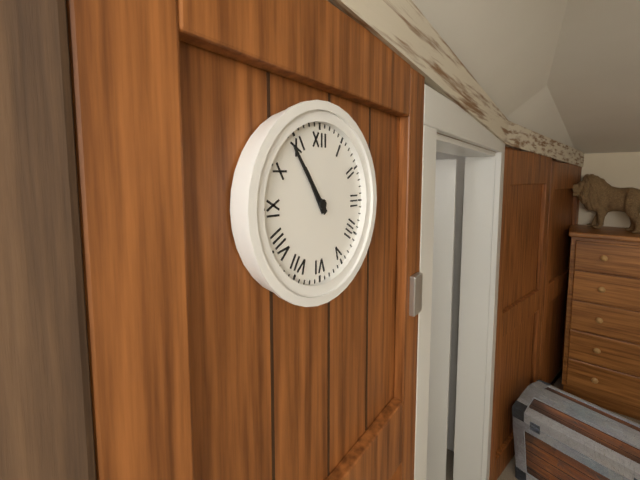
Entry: 10:54
